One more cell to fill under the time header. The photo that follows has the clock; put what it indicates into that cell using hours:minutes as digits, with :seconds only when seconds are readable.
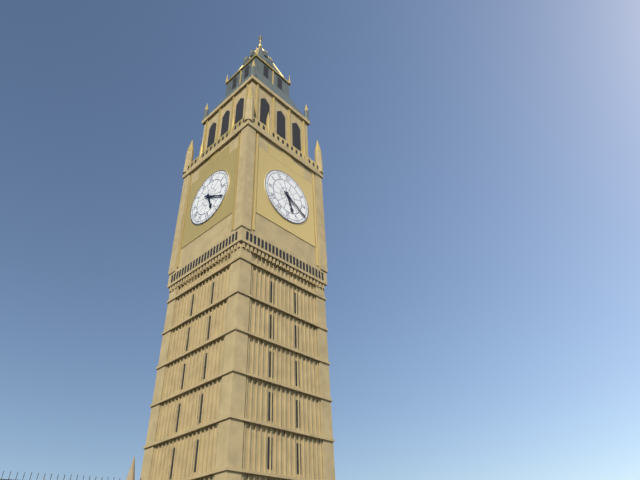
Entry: 5:20
